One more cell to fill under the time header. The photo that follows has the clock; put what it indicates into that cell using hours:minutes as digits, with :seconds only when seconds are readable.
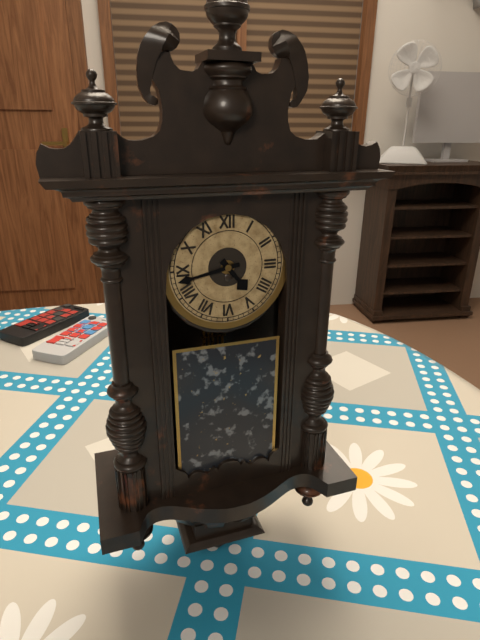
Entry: 4:43
